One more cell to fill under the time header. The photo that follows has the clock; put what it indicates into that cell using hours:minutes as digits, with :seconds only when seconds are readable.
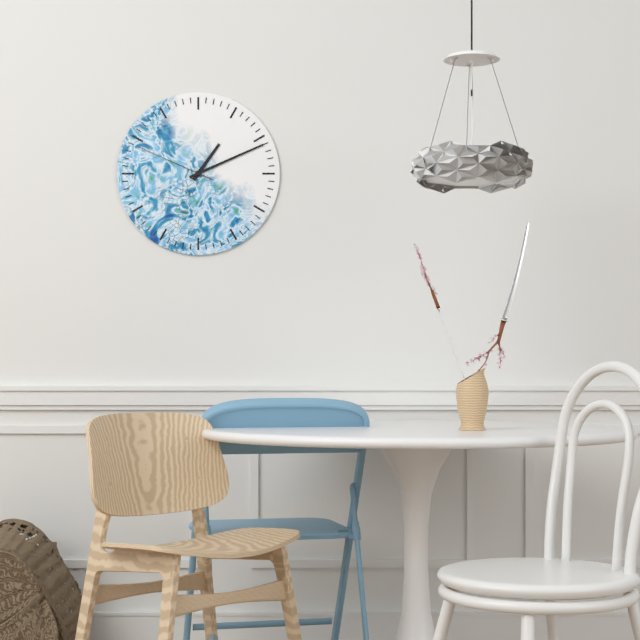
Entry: 1:11:49
